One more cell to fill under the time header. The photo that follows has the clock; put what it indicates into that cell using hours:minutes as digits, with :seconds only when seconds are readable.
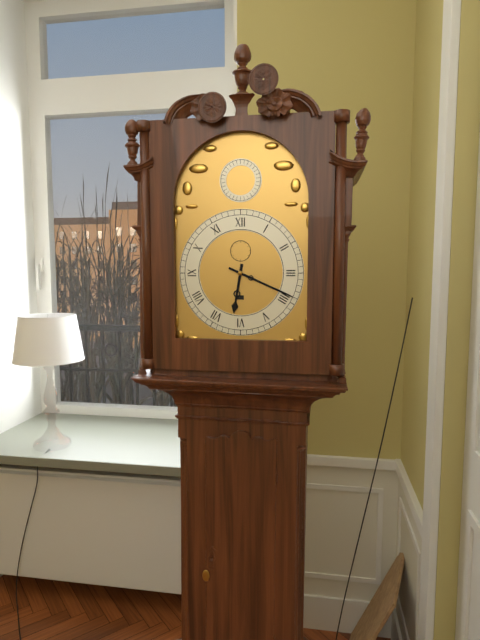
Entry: 6:19
